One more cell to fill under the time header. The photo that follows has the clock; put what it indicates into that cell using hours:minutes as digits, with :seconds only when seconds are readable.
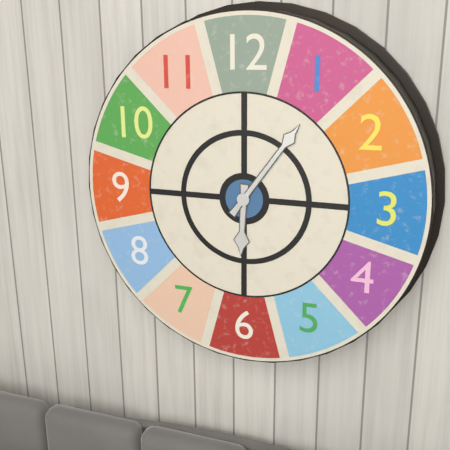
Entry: 6:06
